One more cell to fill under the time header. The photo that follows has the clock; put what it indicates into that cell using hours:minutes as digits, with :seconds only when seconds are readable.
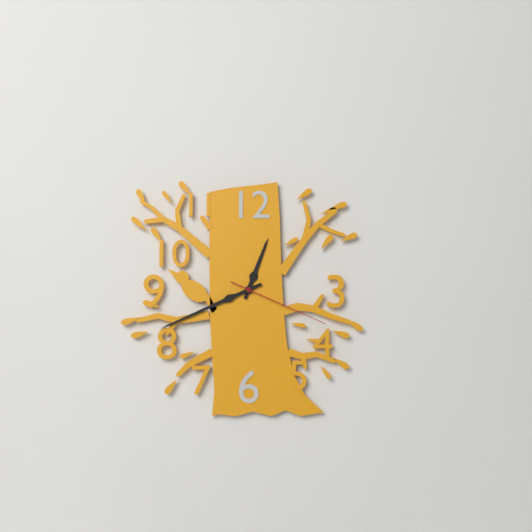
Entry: 12:41:19
